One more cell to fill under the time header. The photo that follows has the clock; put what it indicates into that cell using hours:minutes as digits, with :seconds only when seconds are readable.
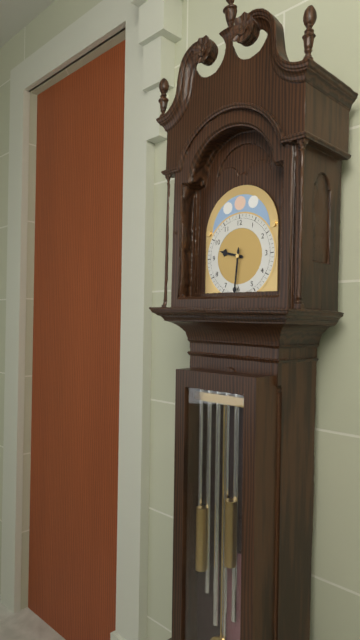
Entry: 9:31
